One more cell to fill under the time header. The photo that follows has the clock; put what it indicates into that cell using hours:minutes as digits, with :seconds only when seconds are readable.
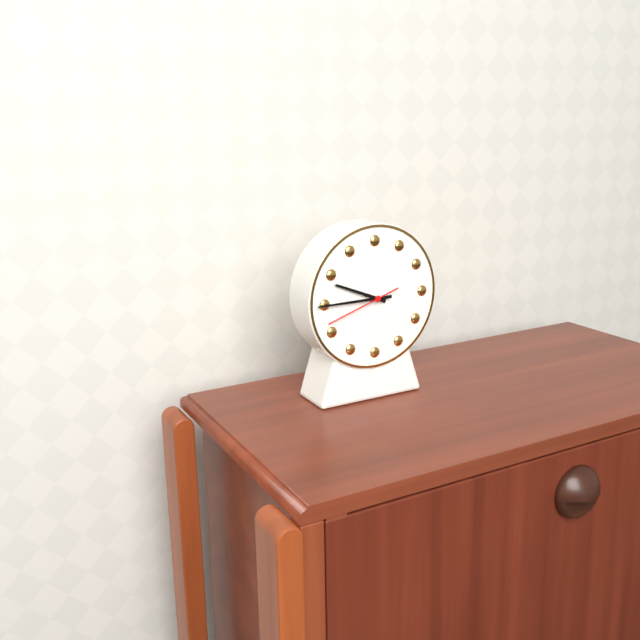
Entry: 9:45:42
